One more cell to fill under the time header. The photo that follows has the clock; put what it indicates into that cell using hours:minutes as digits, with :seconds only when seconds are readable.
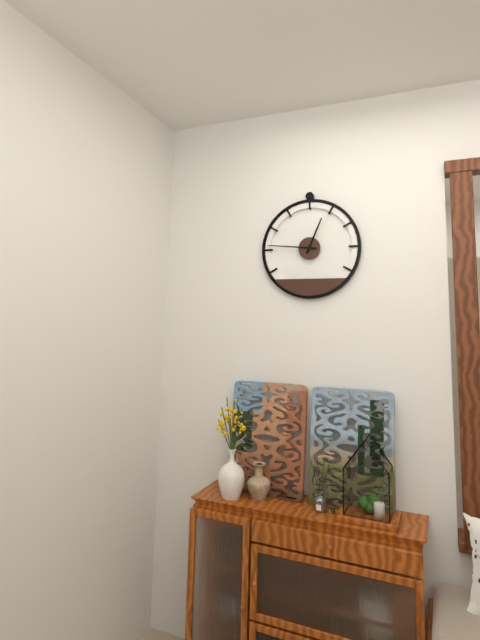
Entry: 12:46
